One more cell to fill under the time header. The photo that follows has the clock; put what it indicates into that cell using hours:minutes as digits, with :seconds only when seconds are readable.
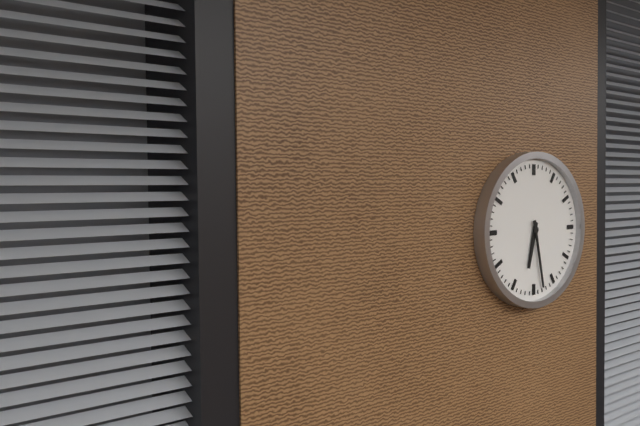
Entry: 6:28
